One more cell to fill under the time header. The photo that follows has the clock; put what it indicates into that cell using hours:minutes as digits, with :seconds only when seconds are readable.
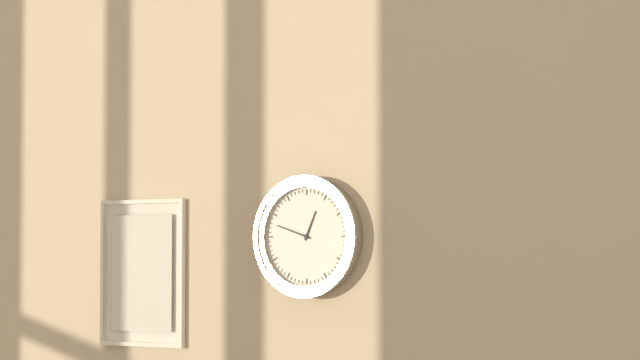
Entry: 12:48
